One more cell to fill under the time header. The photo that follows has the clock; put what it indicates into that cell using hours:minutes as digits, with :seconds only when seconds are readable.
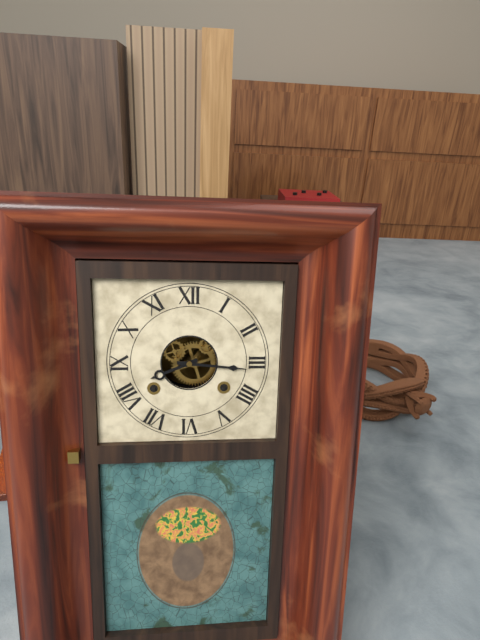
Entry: 8:16
